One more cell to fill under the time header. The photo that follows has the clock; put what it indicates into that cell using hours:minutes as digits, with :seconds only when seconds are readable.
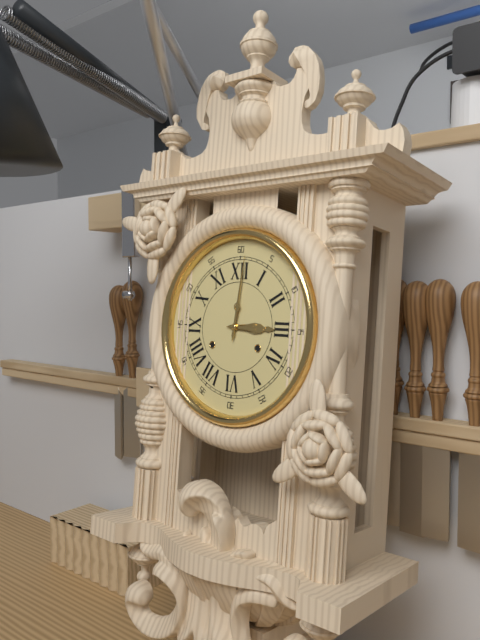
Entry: 3:01
